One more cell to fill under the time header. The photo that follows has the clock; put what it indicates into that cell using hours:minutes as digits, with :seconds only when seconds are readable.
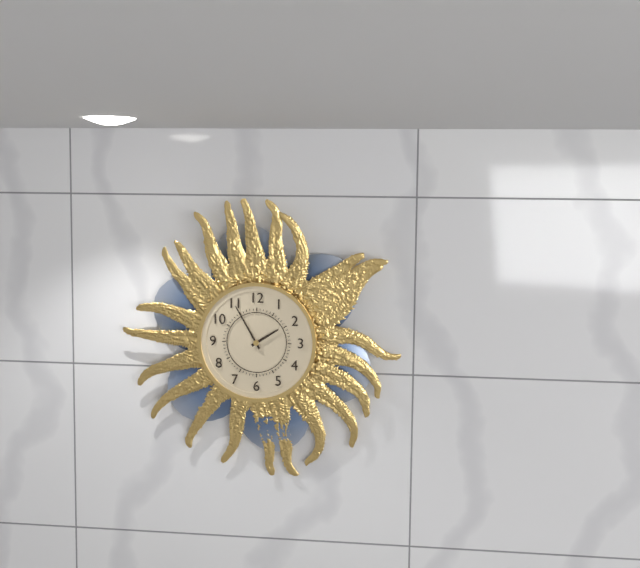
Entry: 1:55
